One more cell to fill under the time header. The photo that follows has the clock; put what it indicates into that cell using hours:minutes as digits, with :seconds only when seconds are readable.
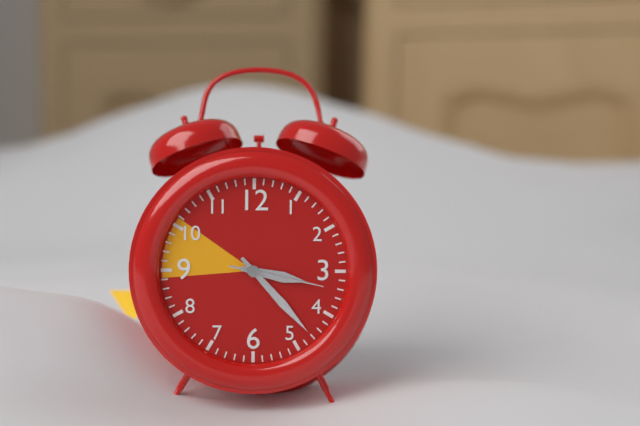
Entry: 3:23:17
